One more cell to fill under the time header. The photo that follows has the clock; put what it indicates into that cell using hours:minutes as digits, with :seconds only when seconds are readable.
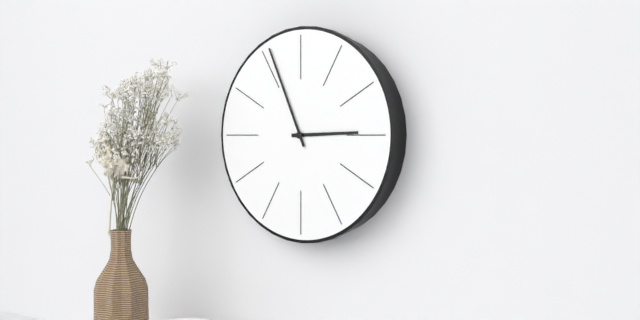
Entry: 2:56
